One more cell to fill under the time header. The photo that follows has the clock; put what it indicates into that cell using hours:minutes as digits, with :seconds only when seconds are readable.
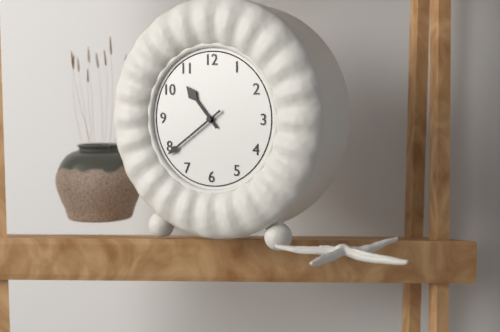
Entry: 10:39
